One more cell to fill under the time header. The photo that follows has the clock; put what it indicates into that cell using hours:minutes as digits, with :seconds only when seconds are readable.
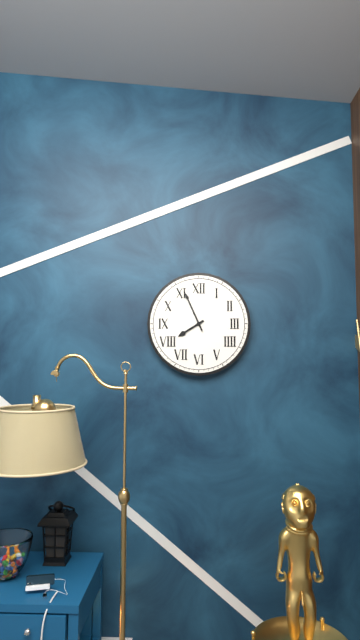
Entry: 7:56
